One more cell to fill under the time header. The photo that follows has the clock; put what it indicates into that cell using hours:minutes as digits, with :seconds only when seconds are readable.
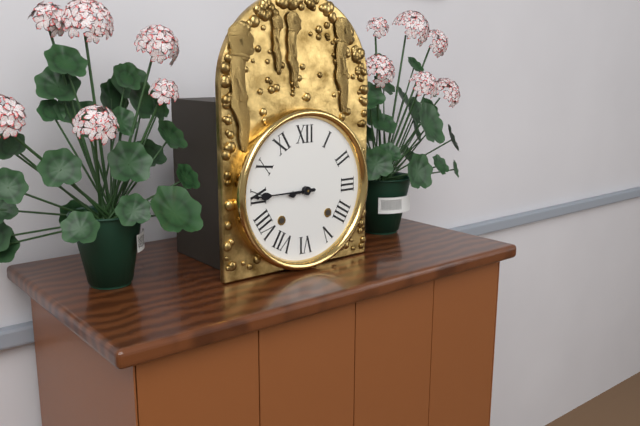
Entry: 8:45
